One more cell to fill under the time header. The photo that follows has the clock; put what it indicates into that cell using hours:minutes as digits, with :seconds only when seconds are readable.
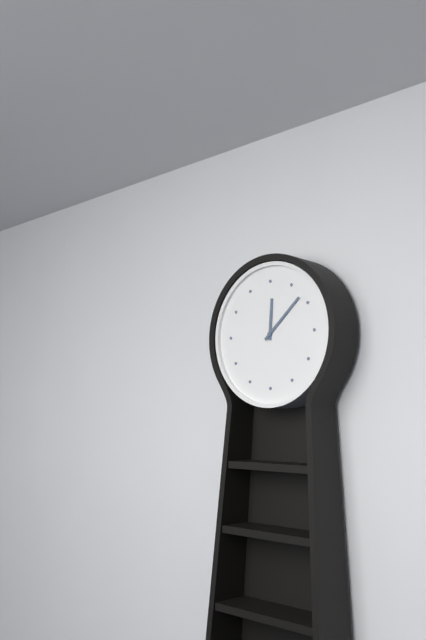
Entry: 12:08
